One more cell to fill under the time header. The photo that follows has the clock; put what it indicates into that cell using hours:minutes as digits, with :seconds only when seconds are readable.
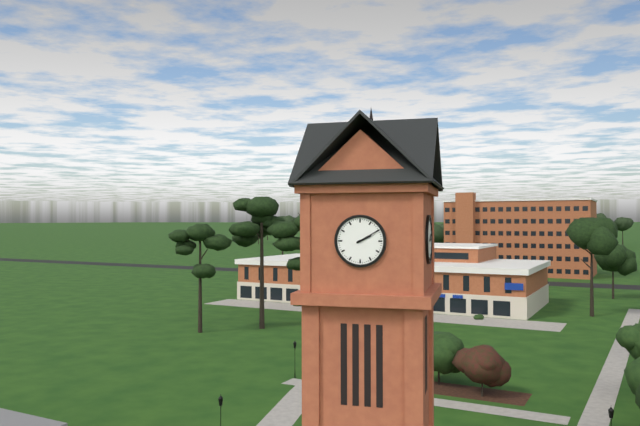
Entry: 2:10
